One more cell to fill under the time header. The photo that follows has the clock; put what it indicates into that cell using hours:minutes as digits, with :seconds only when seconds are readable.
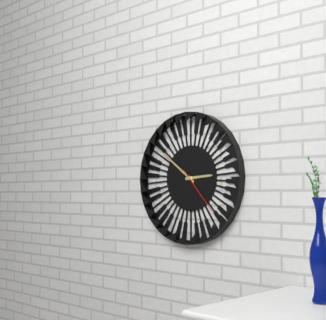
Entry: 2:51
